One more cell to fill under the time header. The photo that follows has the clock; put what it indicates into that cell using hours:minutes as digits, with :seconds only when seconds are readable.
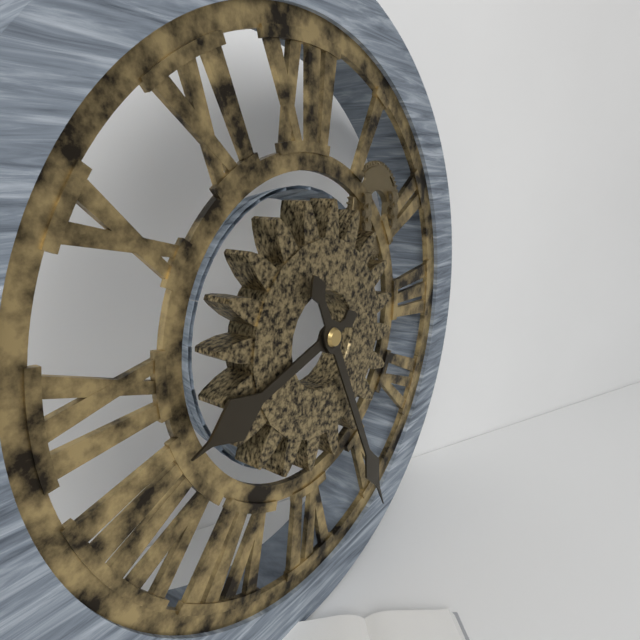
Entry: 8:26
